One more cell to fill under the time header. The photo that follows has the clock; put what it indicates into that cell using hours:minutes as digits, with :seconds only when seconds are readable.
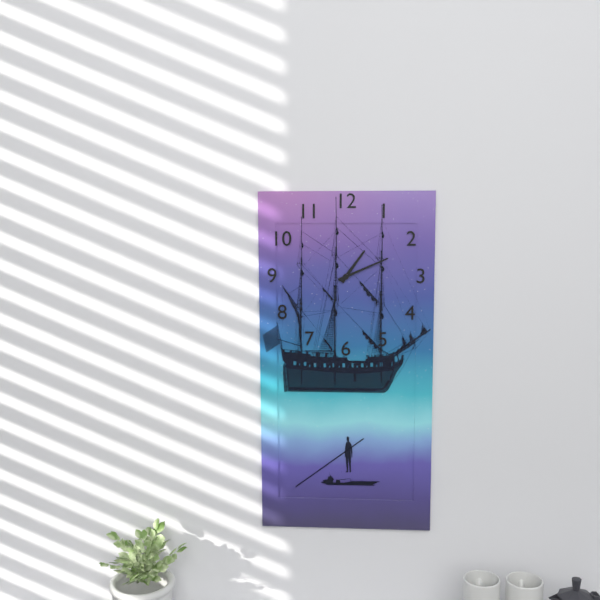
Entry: 1:11
